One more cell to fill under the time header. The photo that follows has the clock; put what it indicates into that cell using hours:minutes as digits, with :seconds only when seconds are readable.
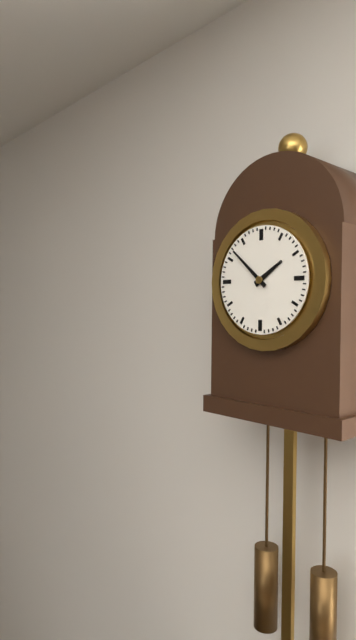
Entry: 1:52
